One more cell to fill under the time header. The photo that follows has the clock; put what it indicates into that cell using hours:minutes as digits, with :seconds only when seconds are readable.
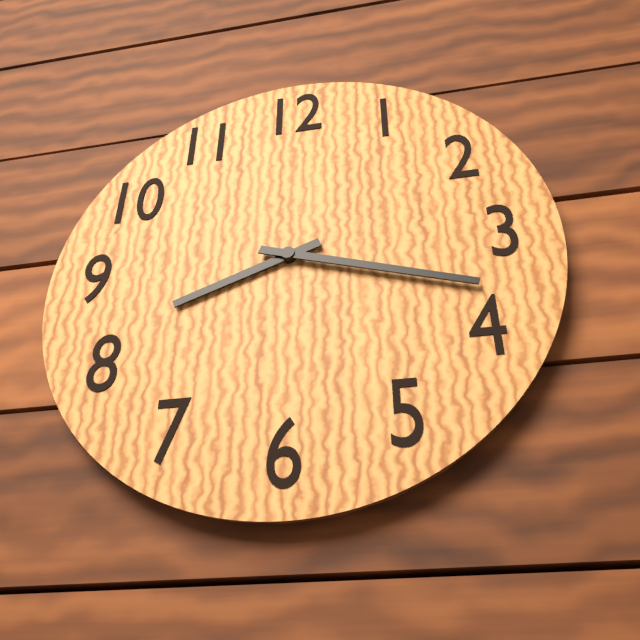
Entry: 8:18
